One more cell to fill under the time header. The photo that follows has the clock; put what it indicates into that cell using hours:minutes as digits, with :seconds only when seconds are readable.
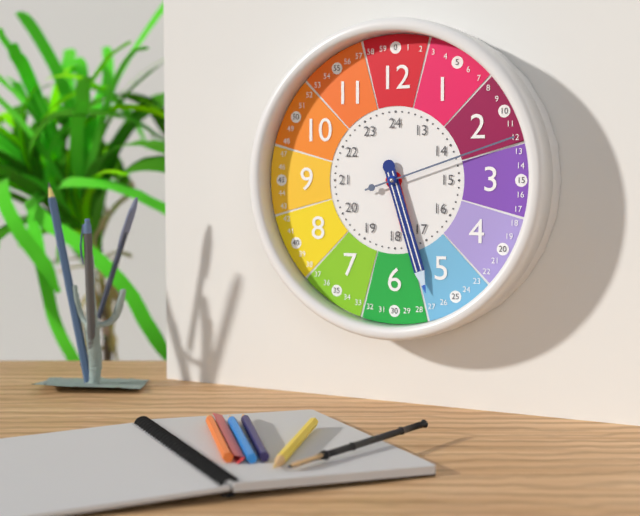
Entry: 5:27:12
